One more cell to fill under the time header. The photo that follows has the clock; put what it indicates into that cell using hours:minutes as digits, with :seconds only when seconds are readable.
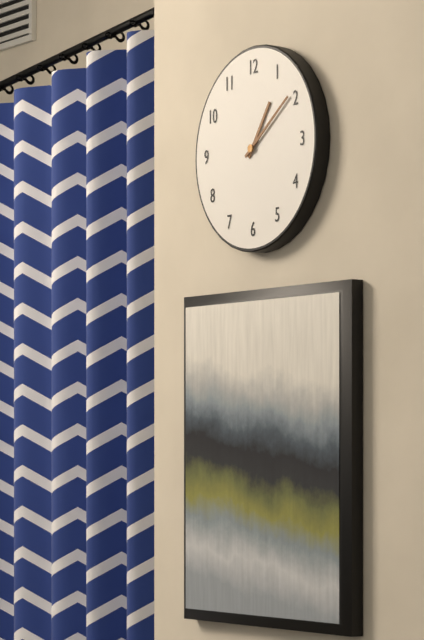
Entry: 1:09
